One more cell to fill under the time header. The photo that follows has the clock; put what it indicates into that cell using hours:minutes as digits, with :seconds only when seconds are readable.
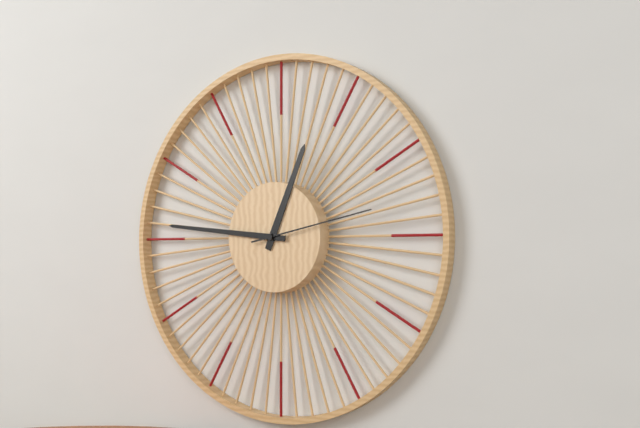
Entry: 12:46:13
